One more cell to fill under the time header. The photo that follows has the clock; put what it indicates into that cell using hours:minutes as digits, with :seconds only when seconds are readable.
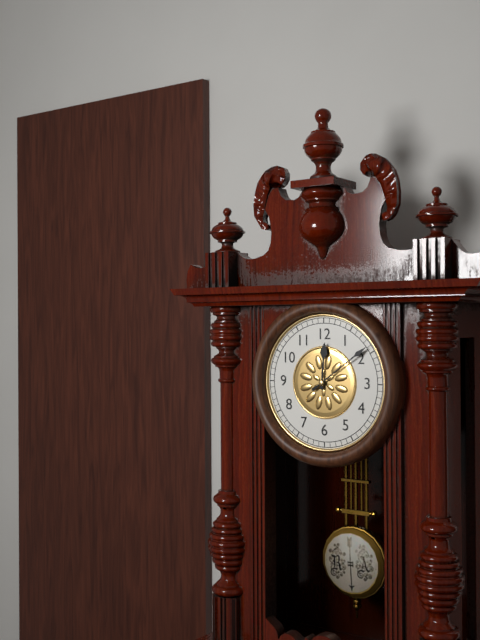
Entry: 12:09
